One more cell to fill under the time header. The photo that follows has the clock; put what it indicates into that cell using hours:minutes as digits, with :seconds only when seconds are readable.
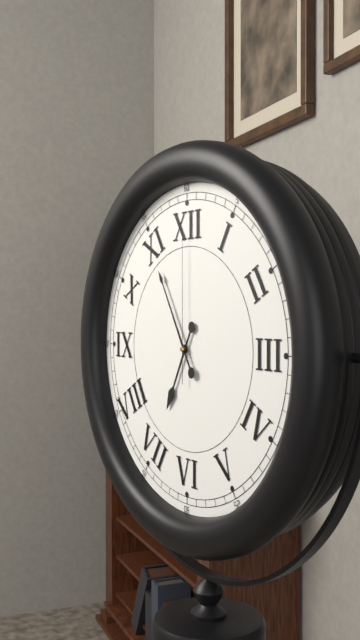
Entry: 6:55:00
